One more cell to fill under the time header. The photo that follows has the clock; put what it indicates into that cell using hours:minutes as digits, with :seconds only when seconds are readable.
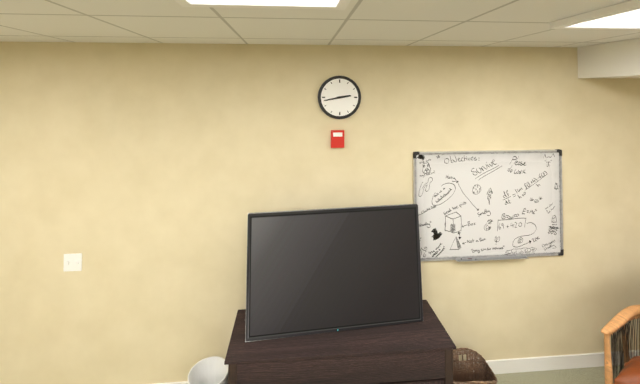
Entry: 2:43
